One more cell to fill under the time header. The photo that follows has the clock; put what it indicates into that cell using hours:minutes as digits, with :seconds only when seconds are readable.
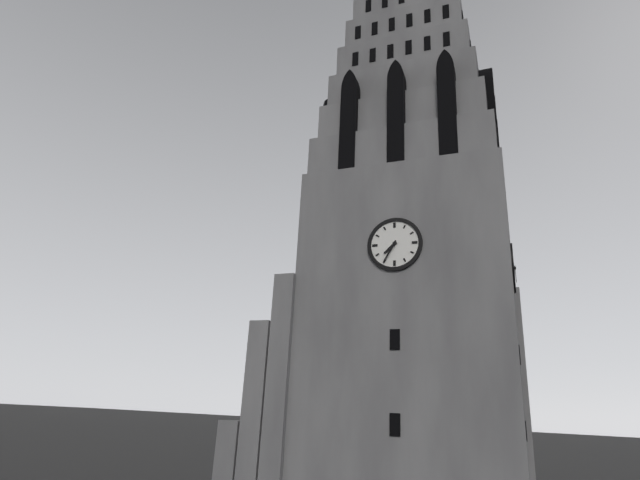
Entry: 7:35
